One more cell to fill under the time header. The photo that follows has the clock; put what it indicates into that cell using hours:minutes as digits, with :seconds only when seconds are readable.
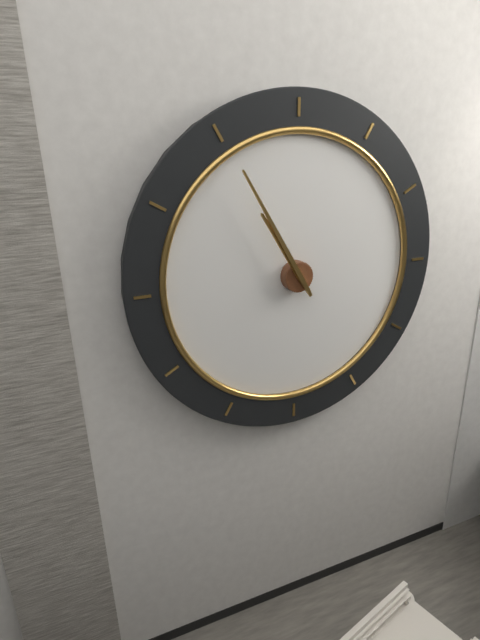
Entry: 10:55
